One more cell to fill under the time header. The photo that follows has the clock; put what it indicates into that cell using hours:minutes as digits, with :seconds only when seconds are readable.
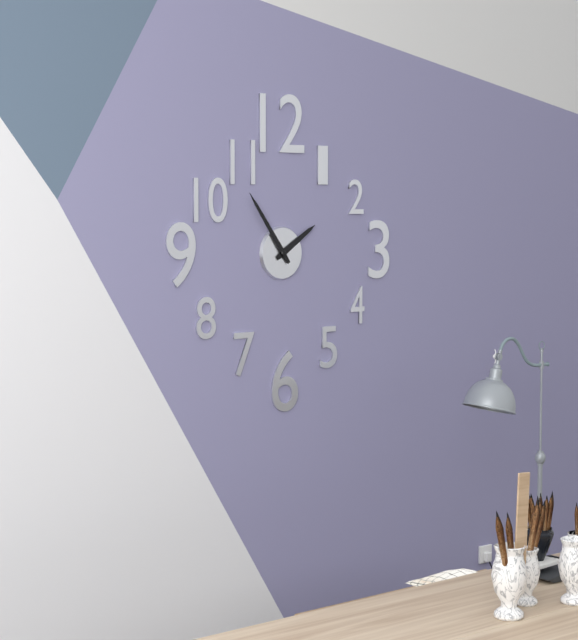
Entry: 1:54
